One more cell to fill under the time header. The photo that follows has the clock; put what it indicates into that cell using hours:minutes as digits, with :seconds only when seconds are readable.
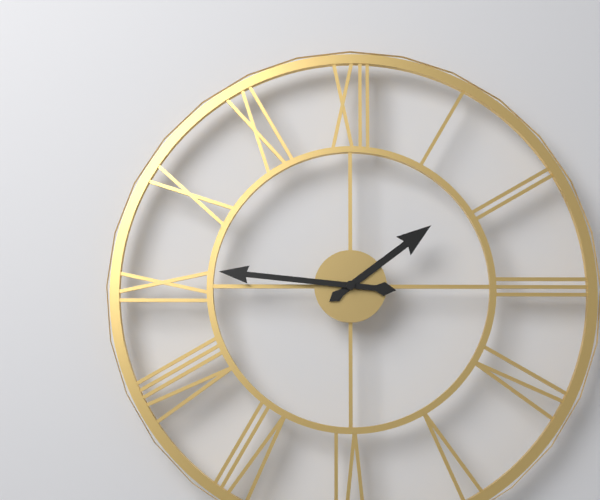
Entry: 1:46
